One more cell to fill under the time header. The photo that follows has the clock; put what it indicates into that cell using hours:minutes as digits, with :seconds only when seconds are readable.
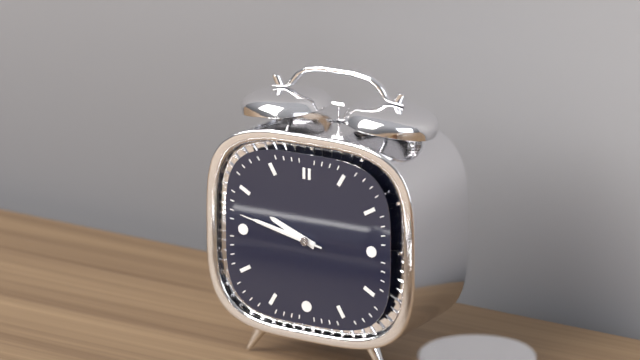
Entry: 9:47:47
